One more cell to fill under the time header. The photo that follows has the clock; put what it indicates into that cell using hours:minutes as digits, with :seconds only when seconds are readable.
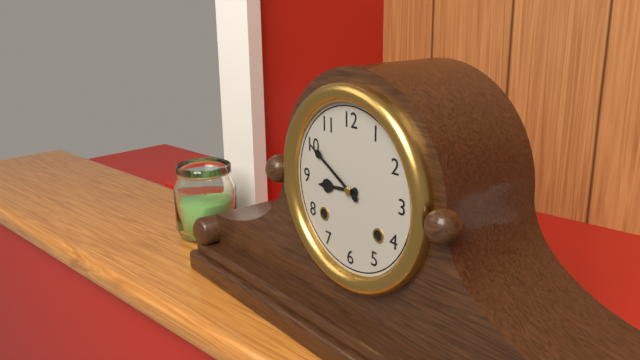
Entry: 8:50
